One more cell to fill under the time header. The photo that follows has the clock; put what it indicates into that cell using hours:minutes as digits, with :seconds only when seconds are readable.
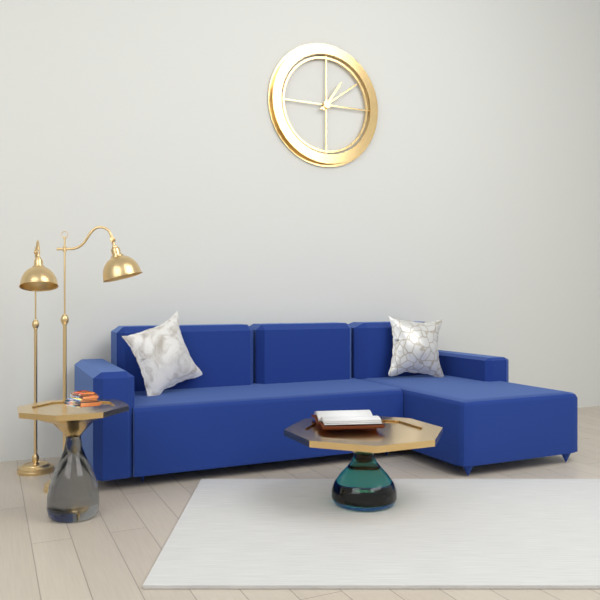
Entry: 1:09
